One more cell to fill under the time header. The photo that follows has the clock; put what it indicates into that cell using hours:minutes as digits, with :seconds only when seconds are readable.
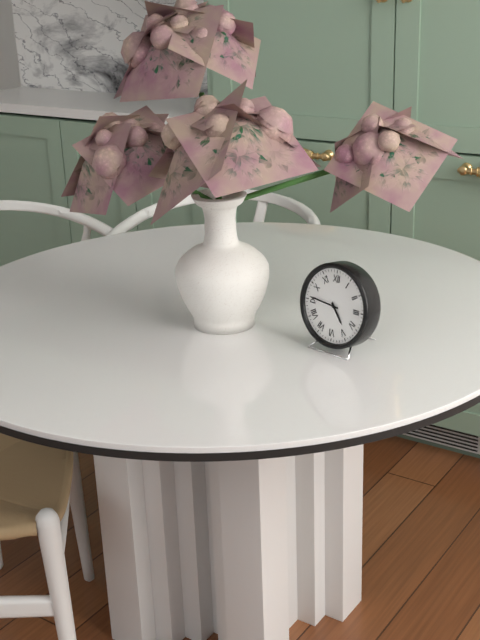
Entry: 4:46
